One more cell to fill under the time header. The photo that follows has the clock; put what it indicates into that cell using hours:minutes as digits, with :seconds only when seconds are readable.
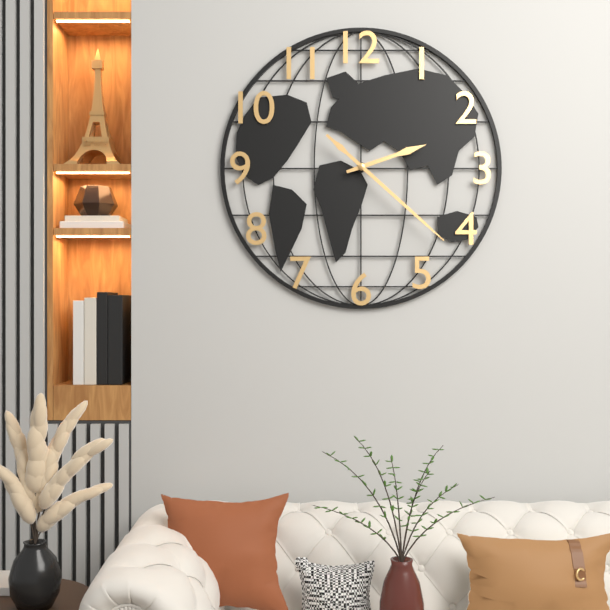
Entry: 2:22
